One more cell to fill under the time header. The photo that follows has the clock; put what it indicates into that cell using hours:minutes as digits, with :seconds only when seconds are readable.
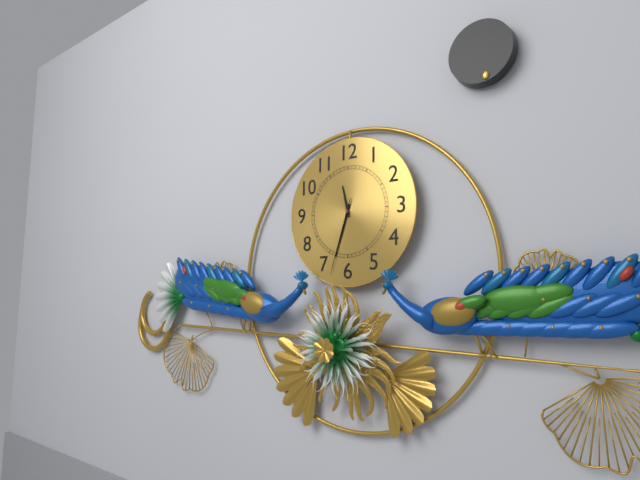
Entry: 11:33:33
